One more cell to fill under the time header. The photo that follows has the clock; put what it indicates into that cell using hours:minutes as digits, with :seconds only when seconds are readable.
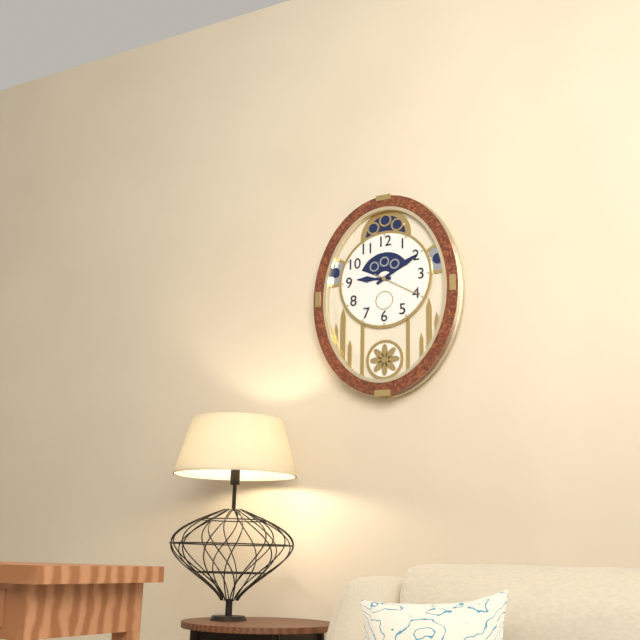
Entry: 9:10
